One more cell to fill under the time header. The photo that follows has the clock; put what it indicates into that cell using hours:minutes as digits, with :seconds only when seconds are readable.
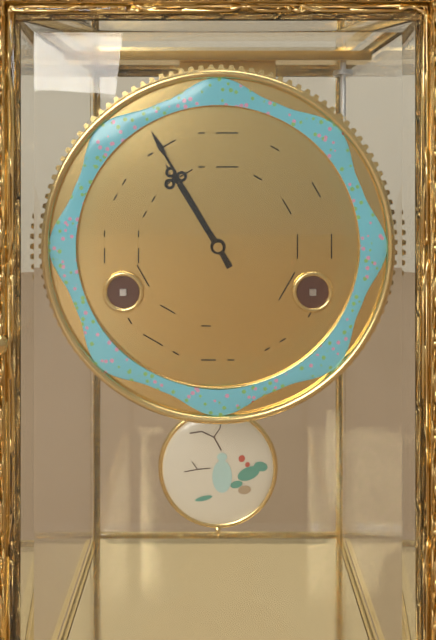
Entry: 10:55
